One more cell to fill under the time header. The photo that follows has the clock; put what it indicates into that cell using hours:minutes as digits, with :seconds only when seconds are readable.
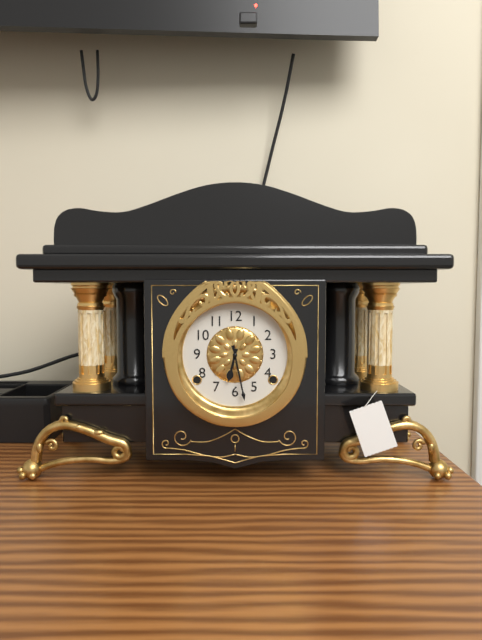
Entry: 6:28
